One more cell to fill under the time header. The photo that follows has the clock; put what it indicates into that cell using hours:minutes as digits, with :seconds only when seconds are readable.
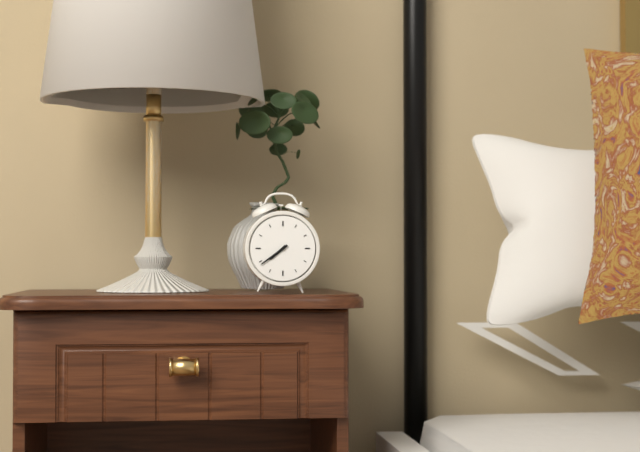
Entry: 7:39
